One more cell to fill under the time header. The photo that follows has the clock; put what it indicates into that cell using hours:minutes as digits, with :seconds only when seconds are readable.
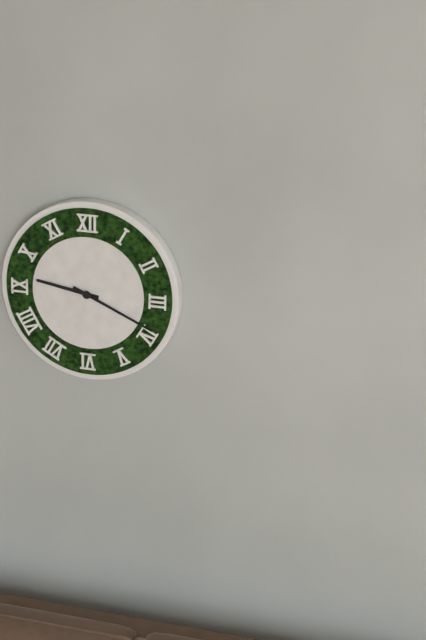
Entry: 9:19
